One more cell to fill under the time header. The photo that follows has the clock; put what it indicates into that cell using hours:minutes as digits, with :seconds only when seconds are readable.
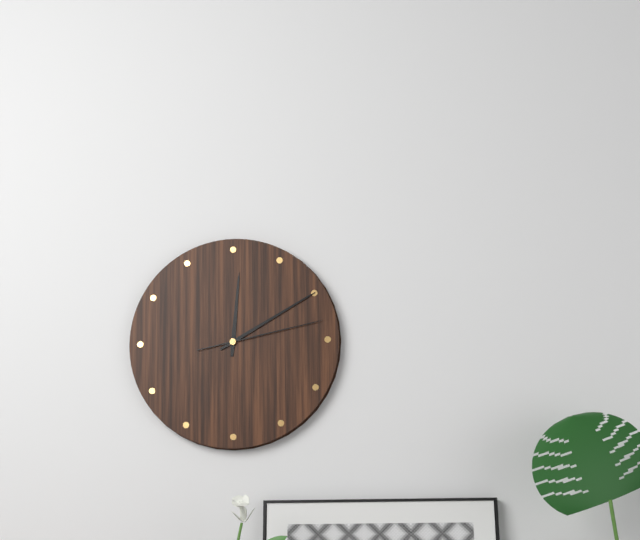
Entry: 12:10:13
